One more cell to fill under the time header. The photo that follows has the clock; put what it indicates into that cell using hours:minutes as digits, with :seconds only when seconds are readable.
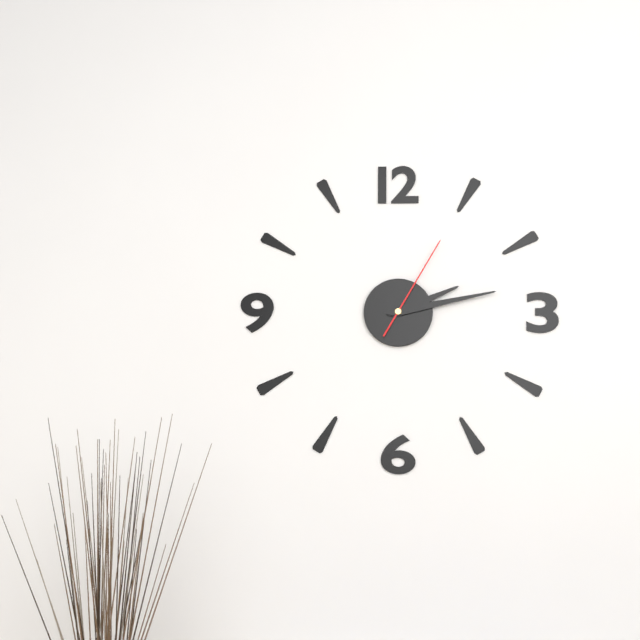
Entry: 2:13:05
